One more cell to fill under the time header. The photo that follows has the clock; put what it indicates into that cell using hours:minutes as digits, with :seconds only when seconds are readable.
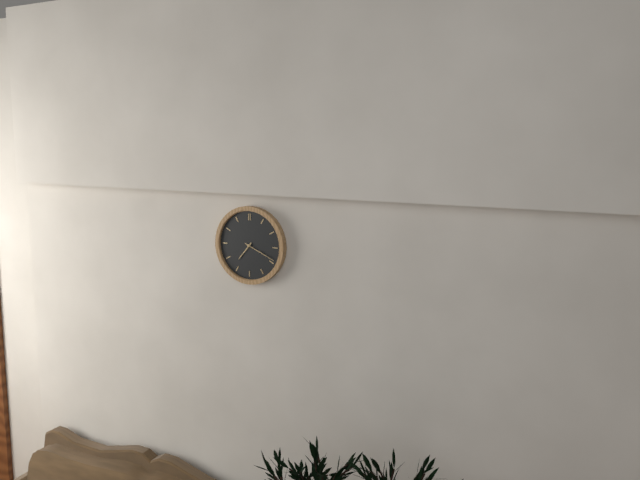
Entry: 7:19
